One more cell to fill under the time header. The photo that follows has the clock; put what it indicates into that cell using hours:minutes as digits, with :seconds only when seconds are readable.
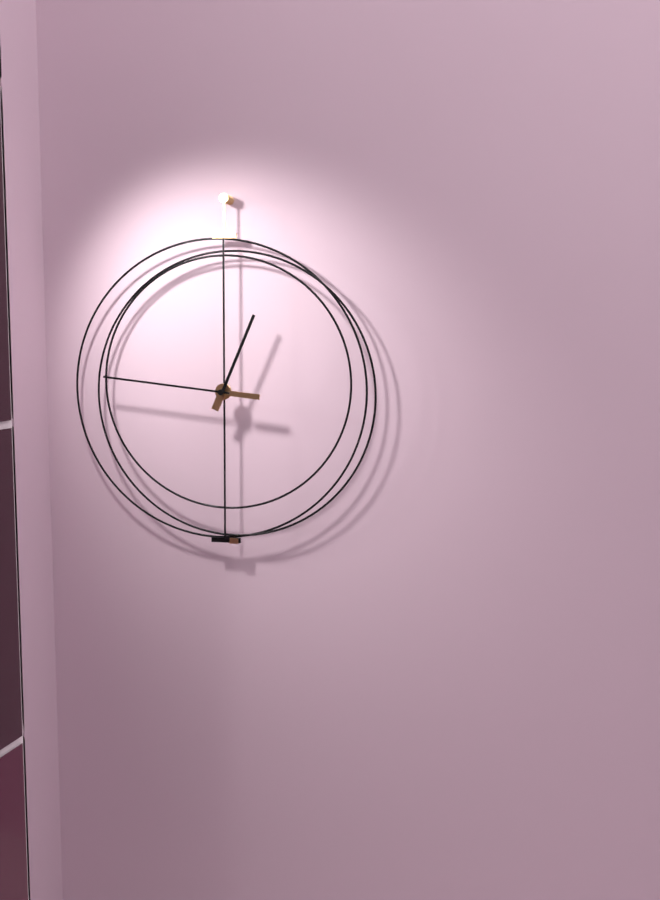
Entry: 12:46
